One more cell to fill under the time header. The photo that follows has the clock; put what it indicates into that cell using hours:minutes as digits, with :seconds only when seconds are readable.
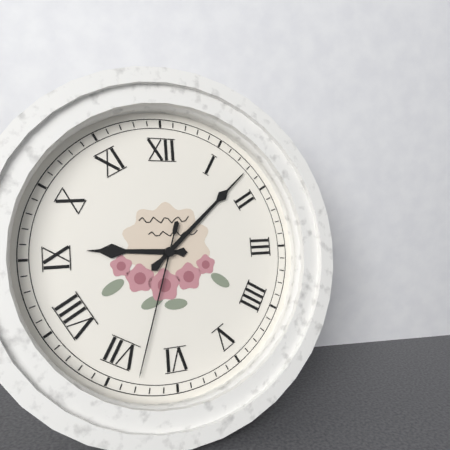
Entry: 9:08:33
